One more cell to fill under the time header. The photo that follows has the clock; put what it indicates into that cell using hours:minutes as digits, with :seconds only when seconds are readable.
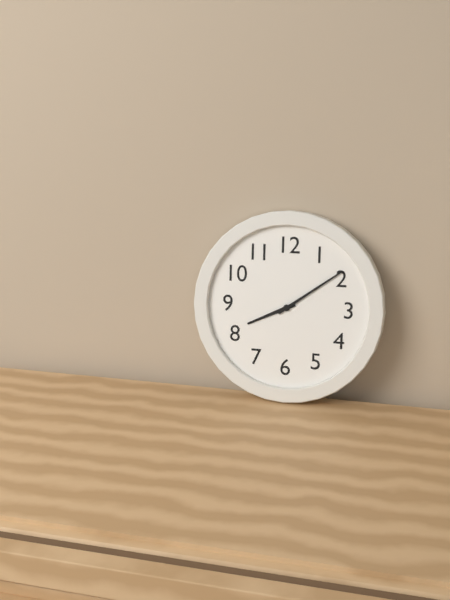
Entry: 8:09
